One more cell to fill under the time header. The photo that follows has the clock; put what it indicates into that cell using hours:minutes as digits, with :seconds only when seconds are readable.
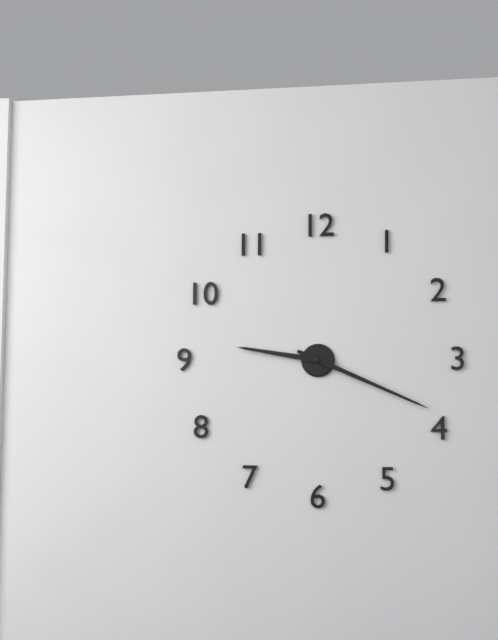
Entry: 9:19
